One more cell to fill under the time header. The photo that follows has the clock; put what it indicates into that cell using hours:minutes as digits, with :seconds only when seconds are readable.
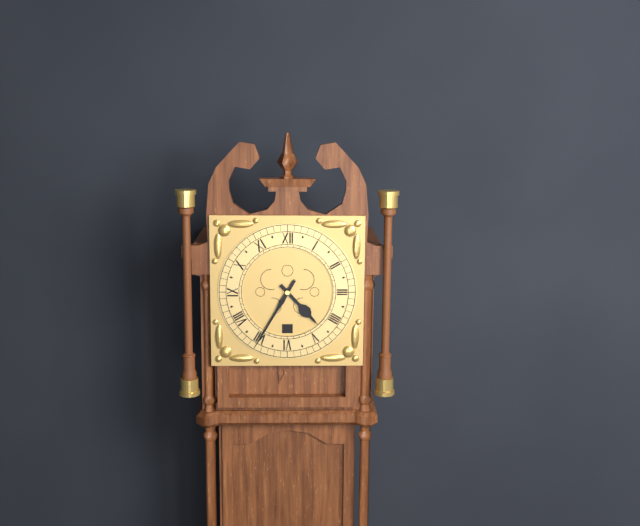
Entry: 4:35
